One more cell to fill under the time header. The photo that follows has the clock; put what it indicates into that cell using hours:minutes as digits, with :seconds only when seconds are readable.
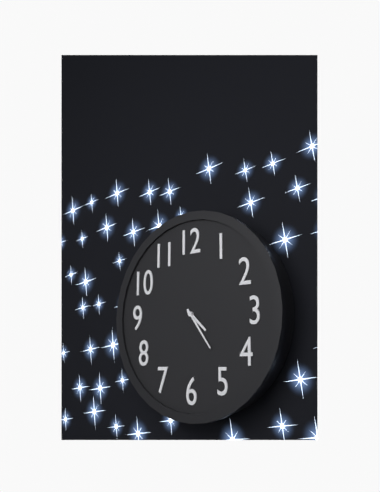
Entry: 4:24
